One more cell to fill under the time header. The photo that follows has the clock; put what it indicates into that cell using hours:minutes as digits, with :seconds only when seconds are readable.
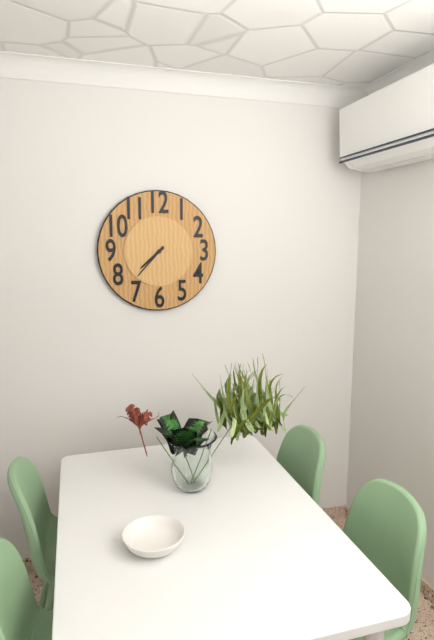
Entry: 7:37
